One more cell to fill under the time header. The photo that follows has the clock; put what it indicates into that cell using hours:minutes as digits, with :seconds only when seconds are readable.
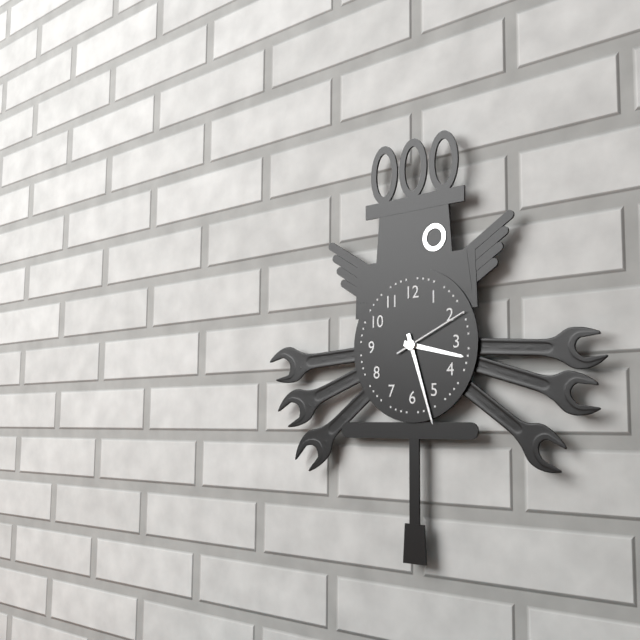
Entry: 3:27:11
